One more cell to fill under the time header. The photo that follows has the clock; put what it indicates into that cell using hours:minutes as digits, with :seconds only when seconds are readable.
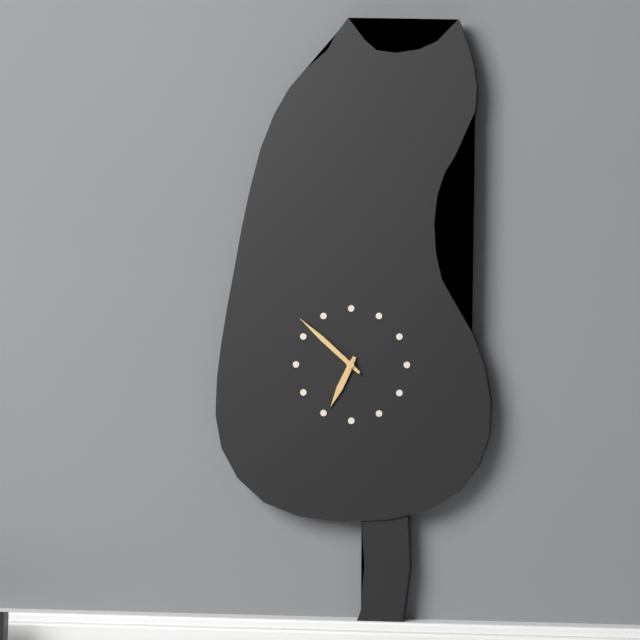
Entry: 6:52
